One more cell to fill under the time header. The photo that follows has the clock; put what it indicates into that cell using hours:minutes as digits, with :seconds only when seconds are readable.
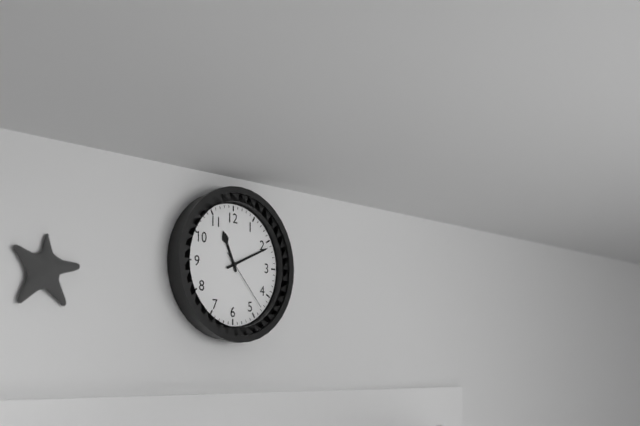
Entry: 11:11:23
